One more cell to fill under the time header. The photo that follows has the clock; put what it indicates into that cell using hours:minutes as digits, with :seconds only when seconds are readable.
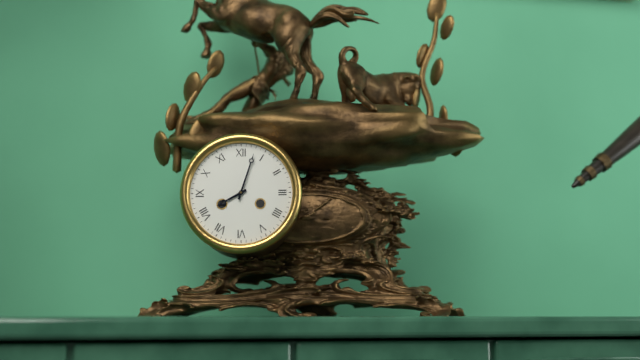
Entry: 8:03
